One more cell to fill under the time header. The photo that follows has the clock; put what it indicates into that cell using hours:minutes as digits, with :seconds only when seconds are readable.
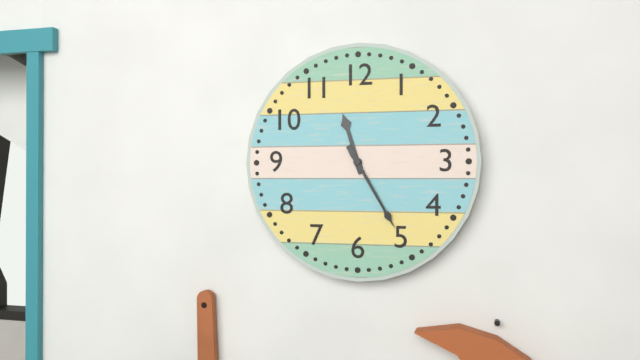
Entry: 11:25
